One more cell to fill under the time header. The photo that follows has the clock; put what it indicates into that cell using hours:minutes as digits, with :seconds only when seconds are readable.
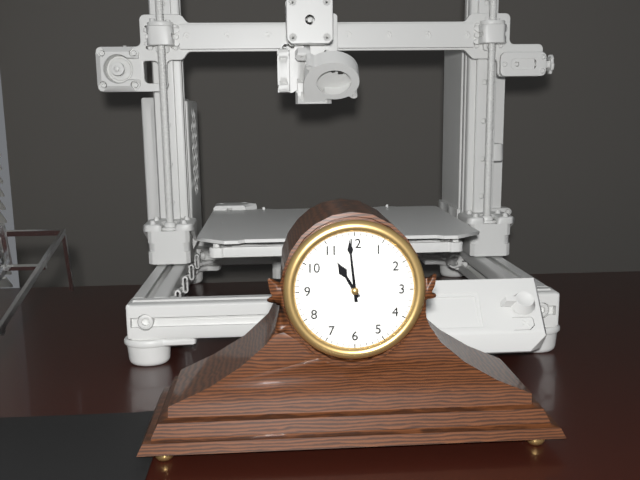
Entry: 10:59
